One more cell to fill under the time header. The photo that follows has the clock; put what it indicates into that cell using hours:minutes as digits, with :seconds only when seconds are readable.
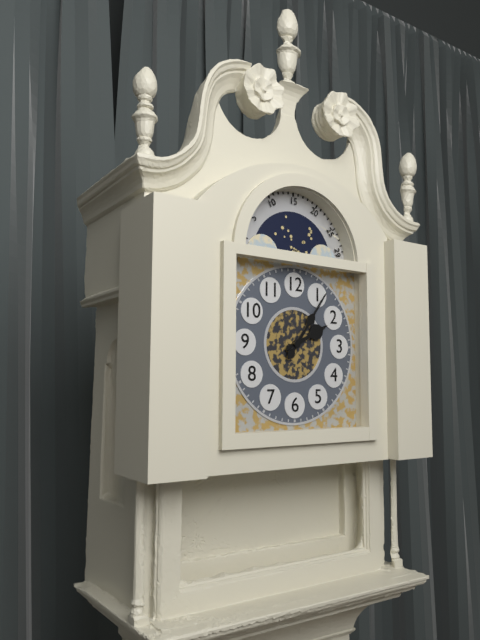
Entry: 2:06
